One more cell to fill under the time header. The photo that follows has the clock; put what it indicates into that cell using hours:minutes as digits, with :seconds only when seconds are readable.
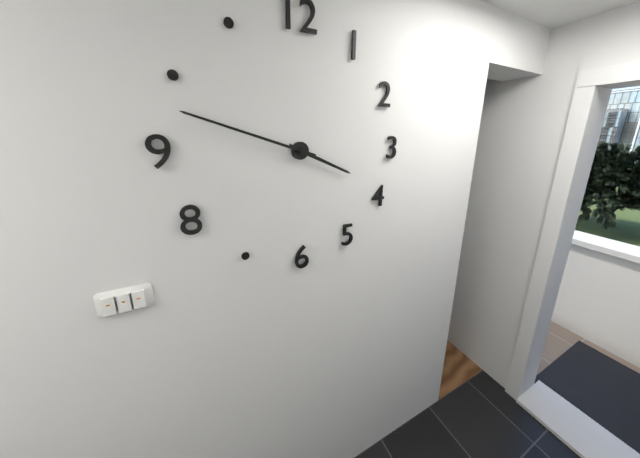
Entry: 3:48
